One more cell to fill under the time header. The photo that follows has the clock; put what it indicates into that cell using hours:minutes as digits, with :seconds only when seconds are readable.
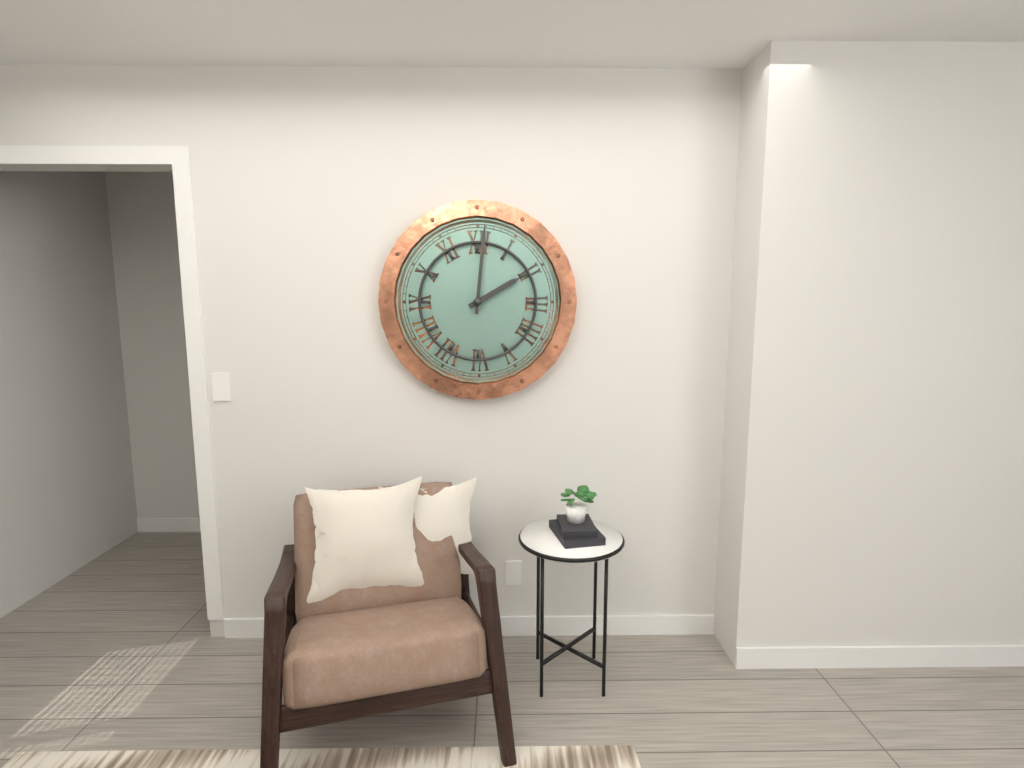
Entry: 2:01
